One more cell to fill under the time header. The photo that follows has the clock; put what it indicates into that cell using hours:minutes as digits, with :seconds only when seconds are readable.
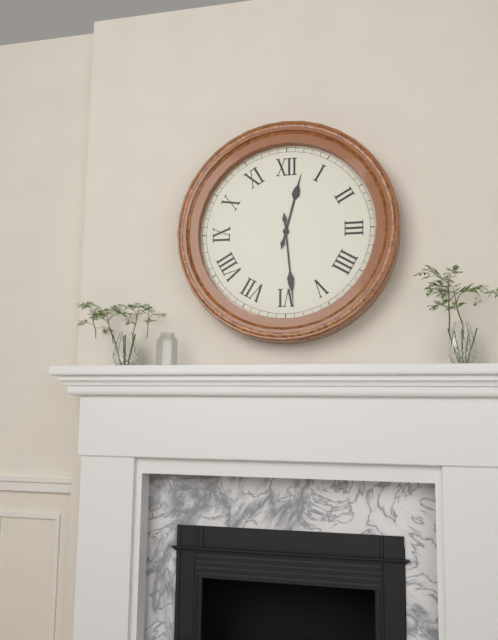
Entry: 12:29
